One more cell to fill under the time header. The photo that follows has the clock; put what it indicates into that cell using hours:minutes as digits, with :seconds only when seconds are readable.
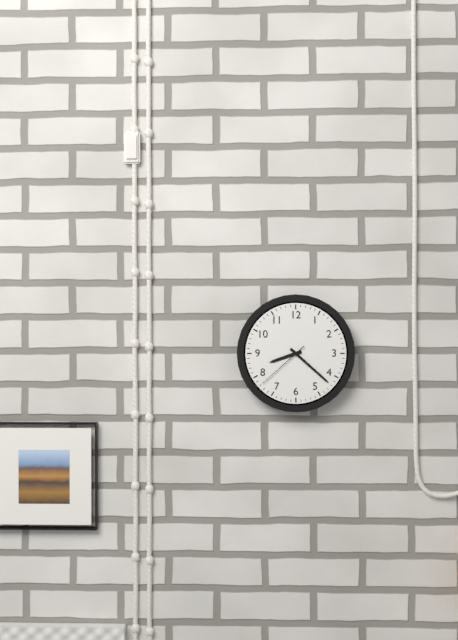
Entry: 8:22:38
